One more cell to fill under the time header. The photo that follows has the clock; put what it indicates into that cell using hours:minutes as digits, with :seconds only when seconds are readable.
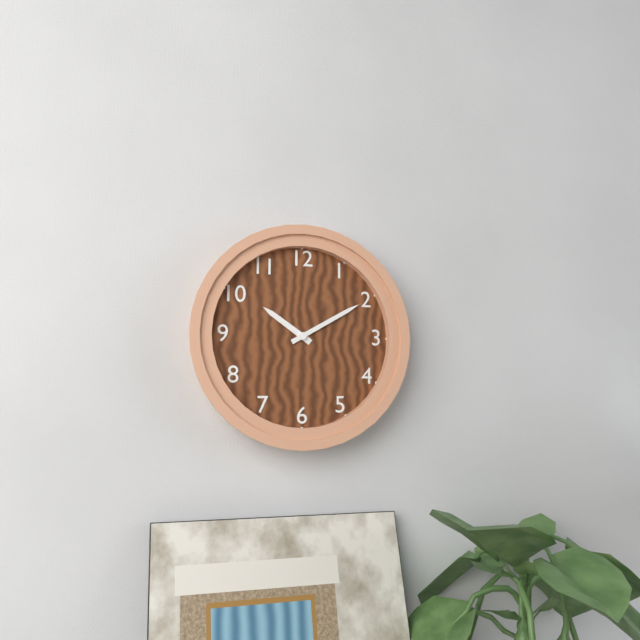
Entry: 10:10
